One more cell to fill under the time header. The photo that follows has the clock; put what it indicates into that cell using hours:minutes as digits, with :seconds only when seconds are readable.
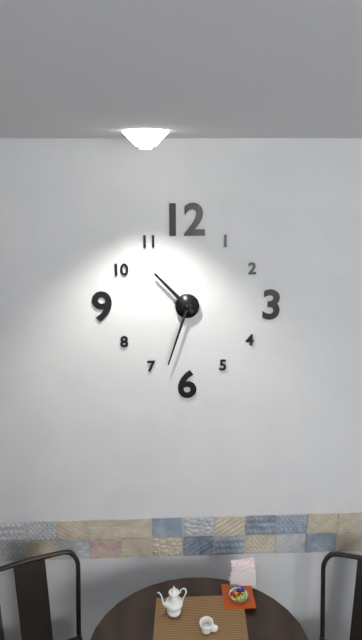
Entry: 10:33
